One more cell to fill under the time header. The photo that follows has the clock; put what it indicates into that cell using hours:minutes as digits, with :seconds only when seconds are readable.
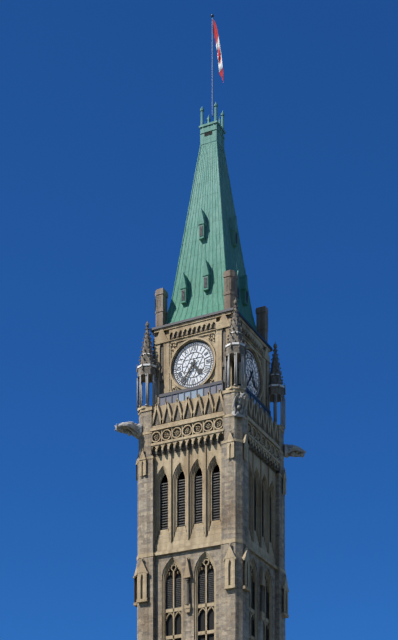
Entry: 4:36
